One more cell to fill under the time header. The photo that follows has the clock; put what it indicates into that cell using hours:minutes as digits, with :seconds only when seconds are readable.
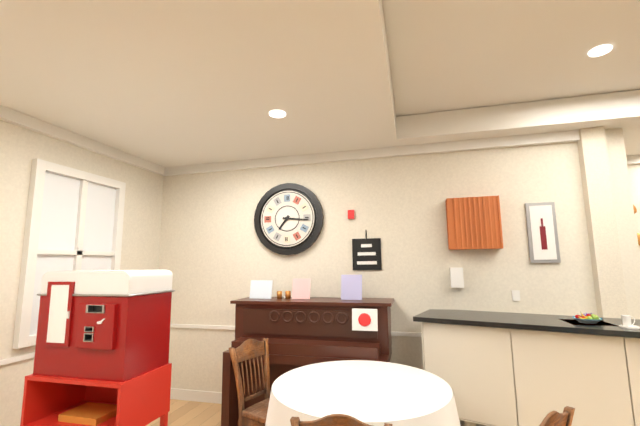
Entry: 7:16
